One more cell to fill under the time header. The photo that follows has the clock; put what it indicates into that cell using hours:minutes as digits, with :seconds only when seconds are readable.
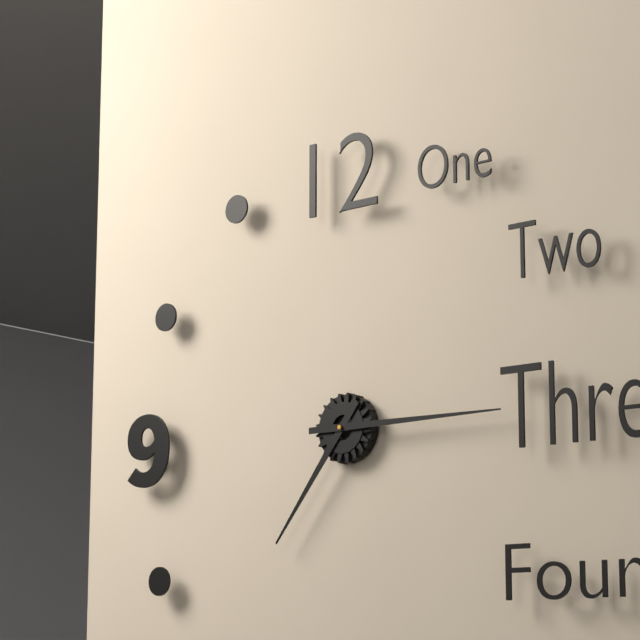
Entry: 7:15
